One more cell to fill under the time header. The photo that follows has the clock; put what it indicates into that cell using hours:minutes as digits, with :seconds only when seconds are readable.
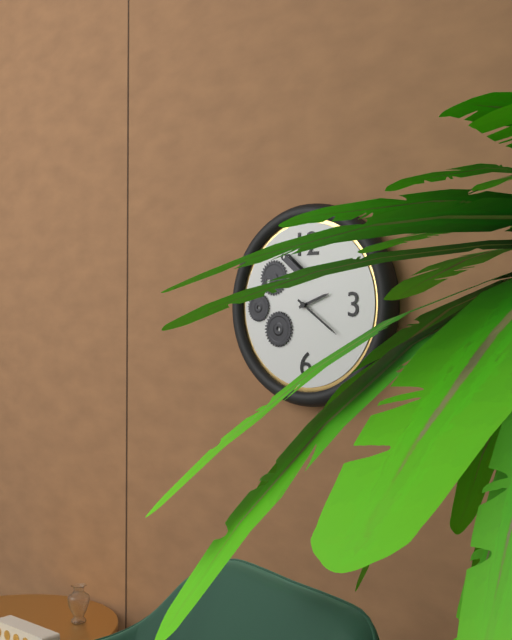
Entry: 2:21
